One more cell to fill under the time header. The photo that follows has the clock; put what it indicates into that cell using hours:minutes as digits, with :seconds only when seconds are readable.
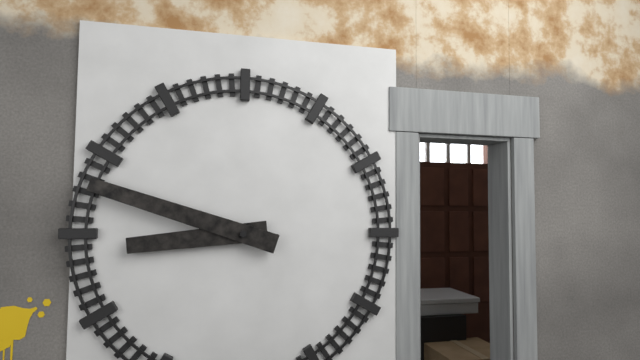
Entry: 8:48
